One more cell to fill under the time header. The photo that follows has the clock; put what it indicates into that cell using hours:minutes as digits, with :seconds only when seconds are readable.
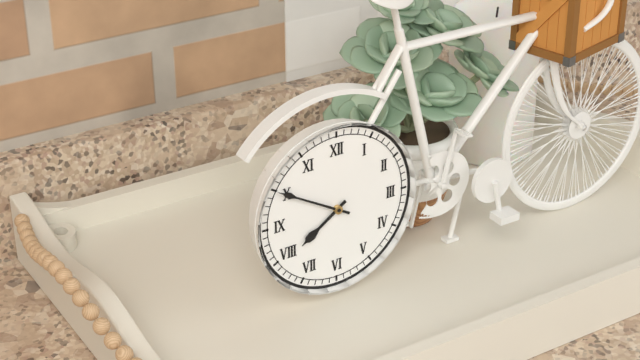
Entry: 7:50
